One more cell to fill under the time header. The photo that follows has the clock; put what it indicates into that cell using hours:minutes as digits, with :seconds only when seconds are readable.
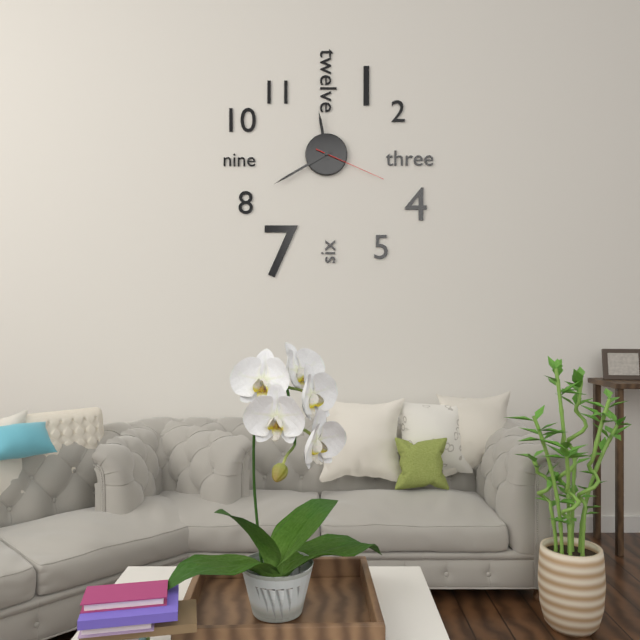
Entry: 11:40:19
